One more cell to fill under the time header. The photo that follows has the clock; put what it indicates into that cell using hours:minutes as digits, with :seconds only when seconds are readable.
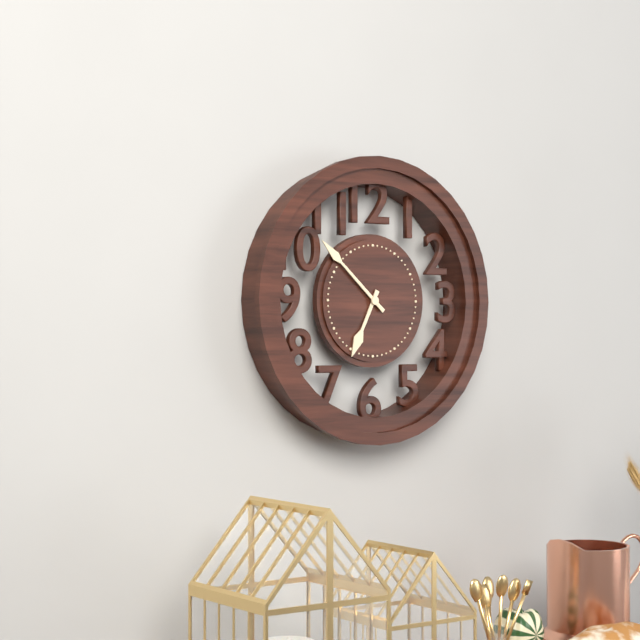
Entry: 6:52
